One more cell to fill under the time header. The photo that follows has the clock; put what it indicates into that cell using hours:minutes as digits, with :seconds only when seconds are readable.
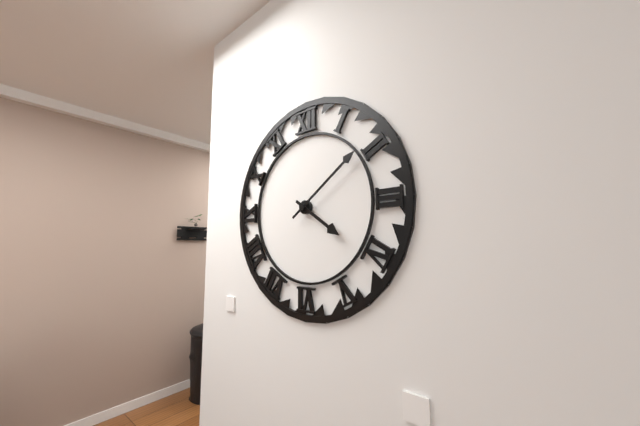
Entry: 4:09
